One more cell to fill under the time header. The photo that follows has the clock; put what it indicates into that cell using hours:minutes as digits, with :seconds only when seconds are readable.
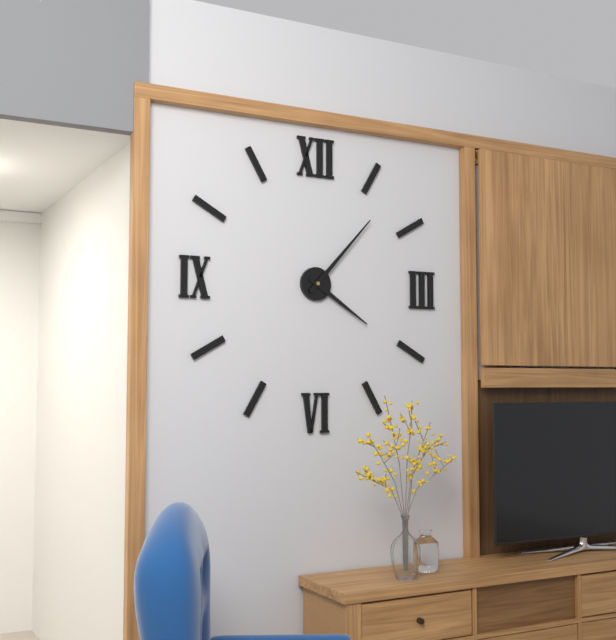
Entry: 4:07
